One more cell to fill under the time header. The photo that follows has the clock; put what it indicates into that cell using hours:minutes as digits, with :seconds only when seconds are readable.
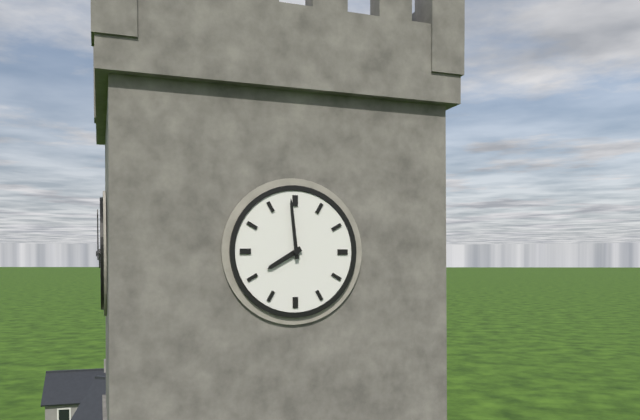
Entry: 7:59
